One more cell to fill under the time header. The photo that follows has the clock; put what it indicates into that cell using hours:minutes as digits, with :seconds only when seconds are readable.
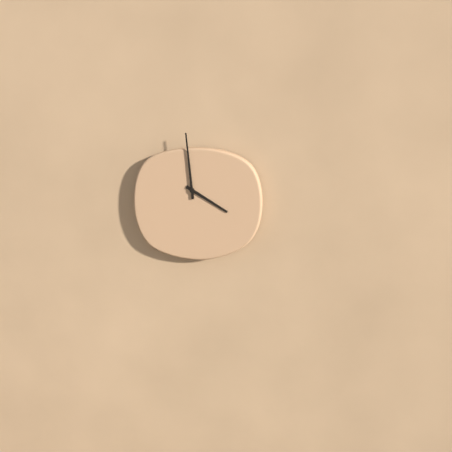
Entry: 3:59
